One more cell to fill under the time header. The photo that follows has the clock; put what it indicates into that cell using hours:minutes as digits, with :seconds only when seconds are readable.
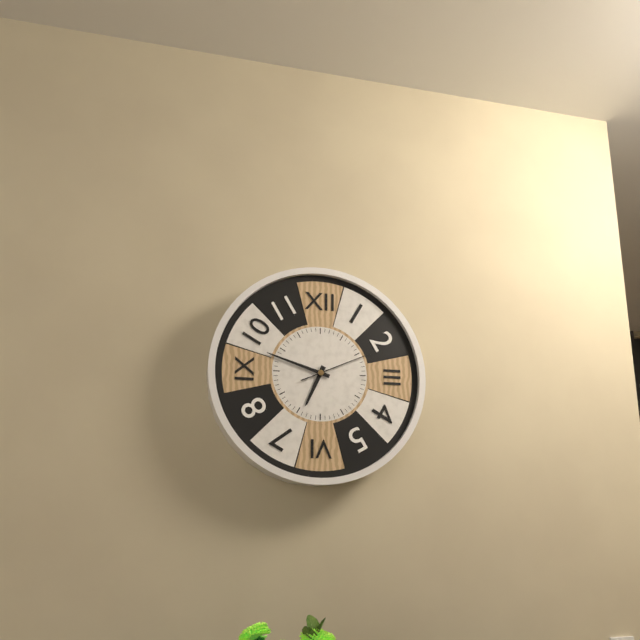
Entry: 6:48:11
